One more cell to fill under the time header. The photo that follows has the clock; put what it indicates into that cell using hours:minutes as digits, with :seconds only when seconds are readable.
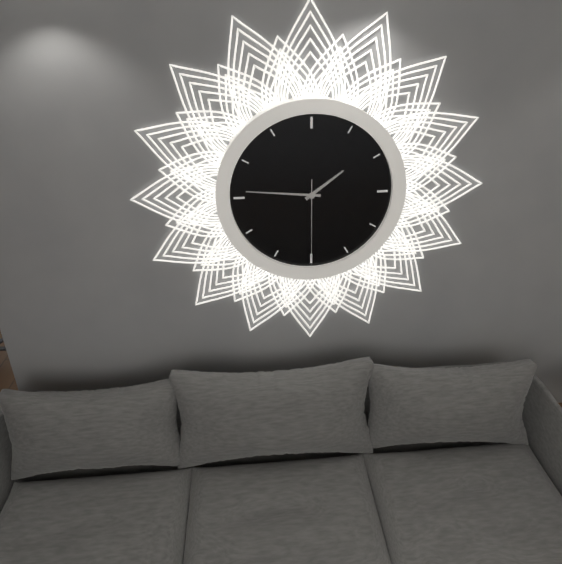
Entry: 1:46:30
